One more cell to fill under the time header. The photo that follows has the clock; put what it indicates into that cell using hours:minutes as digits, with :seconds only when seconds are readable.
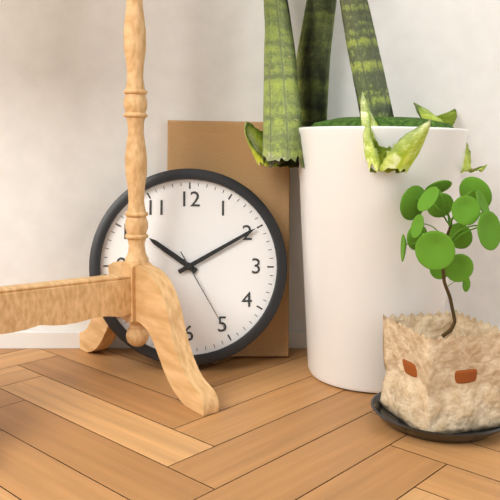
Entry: 10:10:25
